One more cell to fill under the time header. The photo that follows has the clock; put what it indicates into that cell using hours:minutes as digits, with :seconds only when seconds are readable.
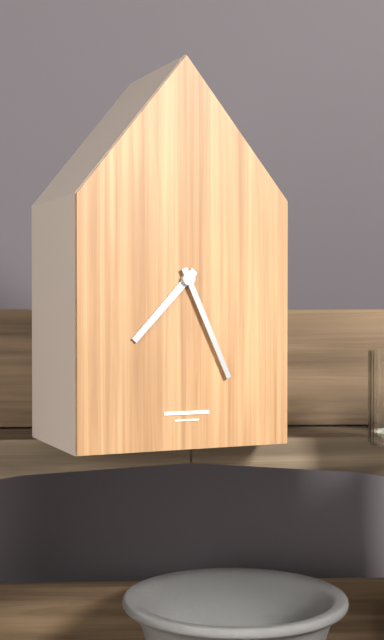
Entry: 7:26
